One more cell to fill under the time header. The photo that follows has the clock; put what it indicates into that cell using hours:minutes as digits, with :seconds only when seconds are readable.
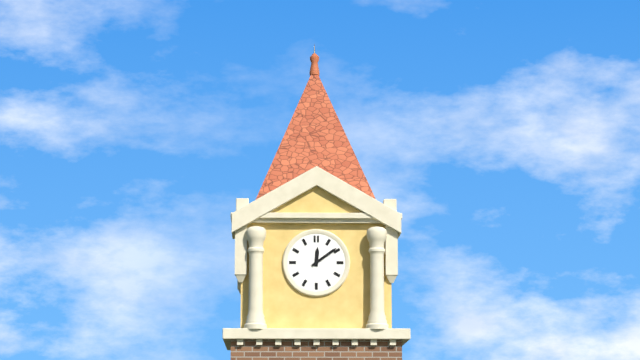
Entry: 12:09
